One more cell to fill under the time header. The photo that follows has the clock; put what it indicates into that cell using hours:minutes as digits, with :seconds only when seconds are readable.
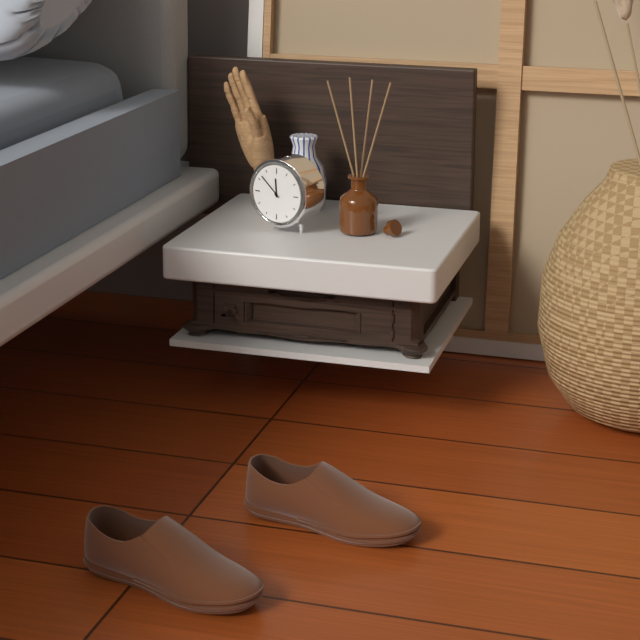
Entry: 11:52
